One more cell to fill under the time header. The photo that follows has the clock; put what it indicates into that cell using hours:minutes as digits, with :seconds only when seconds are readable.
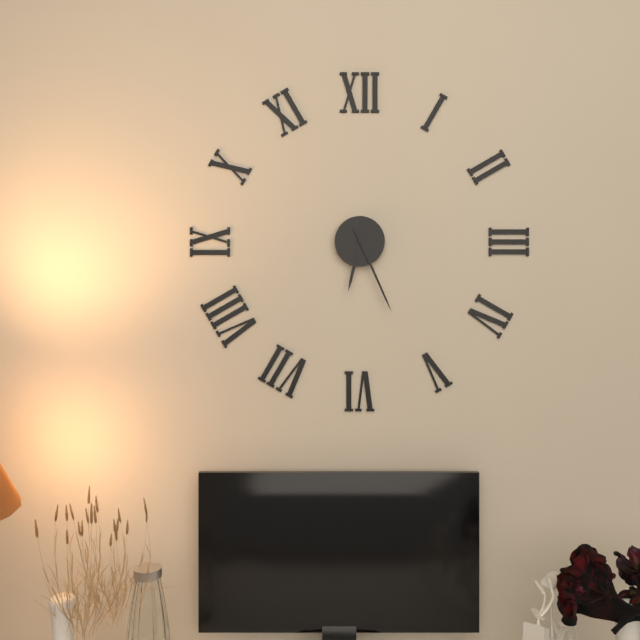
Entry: 6:26
